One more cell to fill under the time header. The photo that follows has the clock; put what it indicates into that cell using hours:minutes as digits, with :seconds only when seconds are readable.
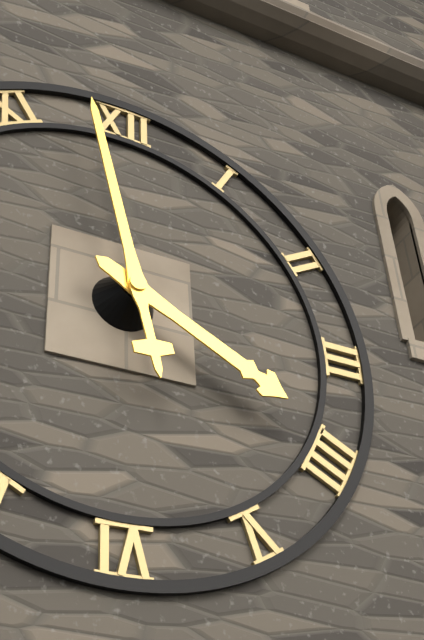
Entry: 3:58
